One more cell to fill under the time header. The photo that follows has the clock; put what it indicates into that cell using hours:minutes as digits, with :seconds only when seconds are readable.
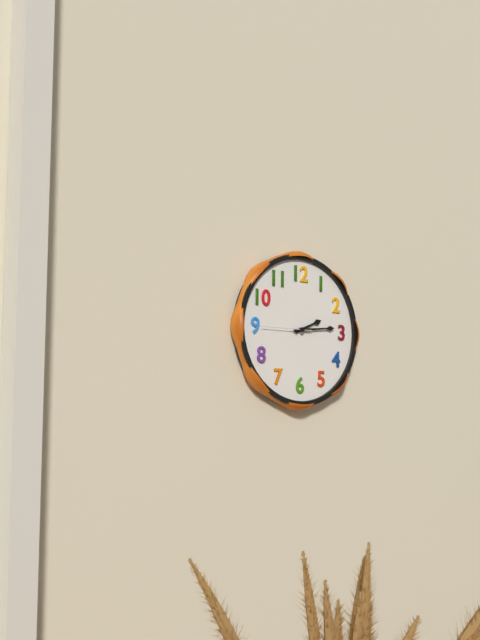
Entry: 2:14:45
